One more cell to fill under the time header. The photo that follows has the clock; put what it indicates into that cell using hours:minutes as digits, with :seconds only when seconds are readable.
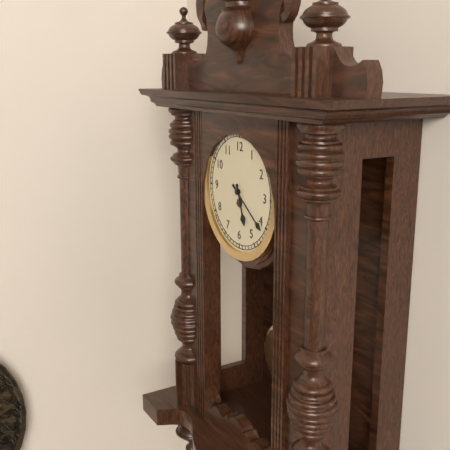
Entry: 5:21
